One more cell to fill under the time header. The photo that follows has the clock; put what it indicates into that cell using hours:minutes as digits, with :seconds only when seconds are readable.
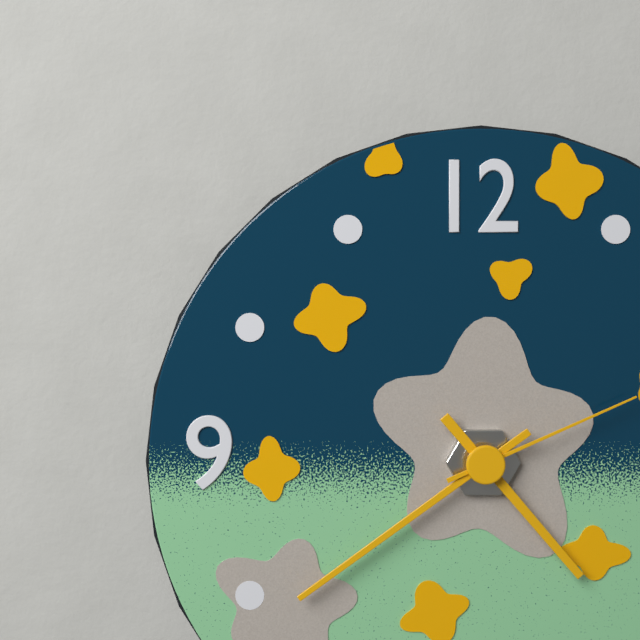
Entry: 4:39:11
